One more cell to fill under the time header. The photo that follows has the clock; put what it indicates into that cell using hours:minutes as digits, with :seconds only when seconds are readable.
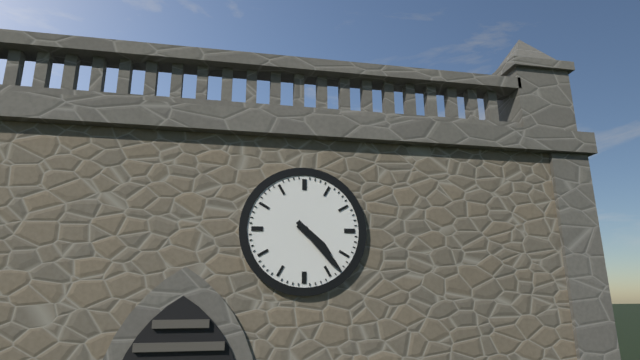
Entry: 4:23
